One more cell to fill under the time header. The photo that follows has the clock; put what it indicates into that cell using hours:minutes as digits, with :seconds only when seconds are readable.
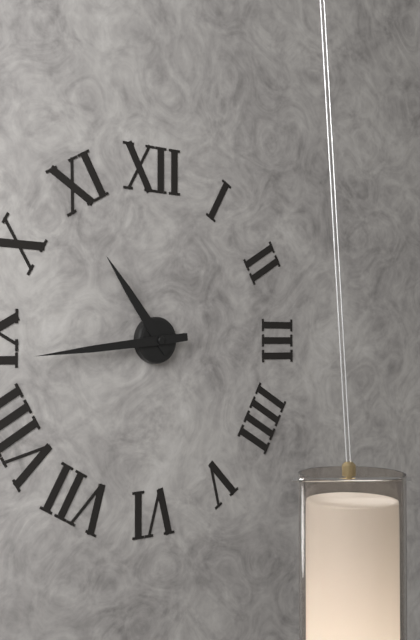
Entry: 10:44
